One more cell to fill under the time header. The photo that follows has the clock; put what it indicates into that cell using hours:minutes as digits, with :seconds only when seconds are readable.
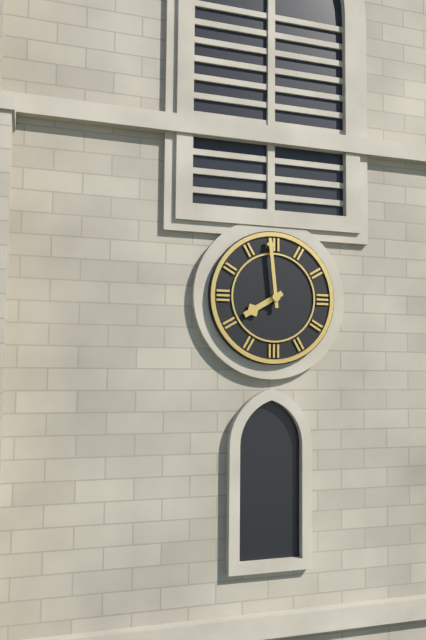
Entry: 7:59
